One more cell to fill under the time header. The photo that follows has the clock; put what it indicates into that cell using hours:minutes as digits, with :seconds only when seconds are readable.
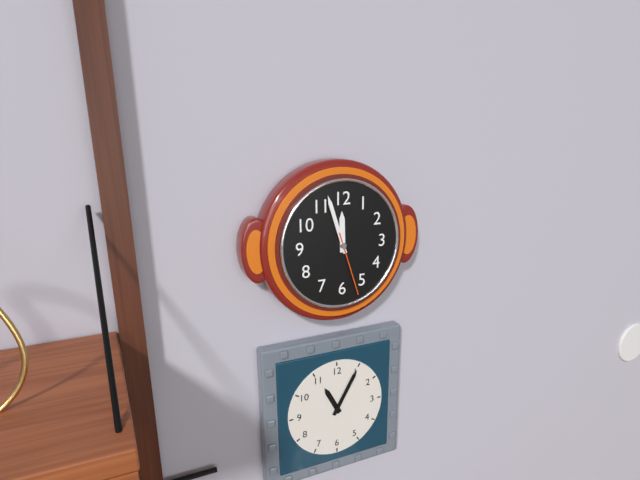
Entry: 11:57:27
